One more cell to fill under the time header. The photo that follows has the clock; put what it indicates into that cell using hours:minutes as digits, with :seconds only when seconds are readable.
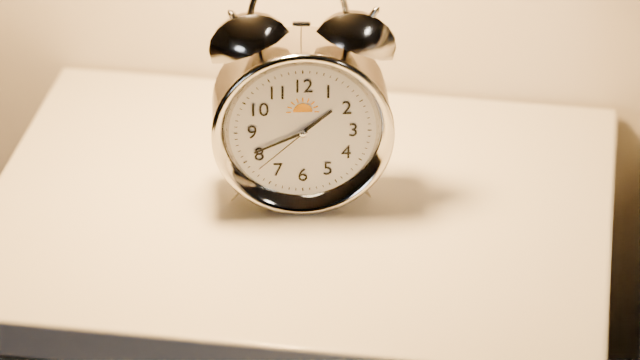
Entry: 1:41:38
